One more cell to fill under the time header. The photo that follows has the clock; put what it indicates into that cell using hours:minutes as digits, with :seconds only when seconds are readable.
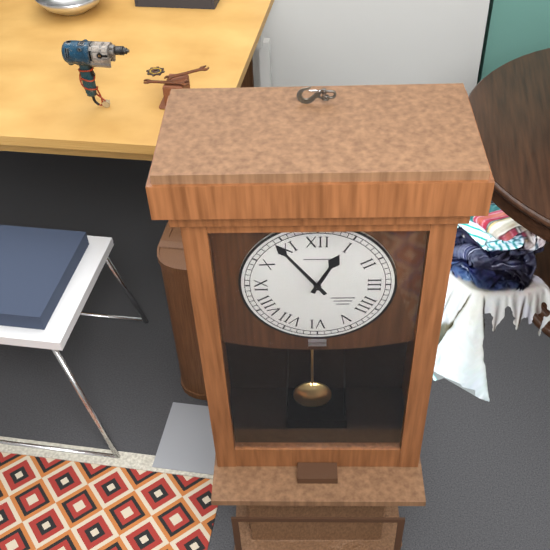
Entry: 12:54
